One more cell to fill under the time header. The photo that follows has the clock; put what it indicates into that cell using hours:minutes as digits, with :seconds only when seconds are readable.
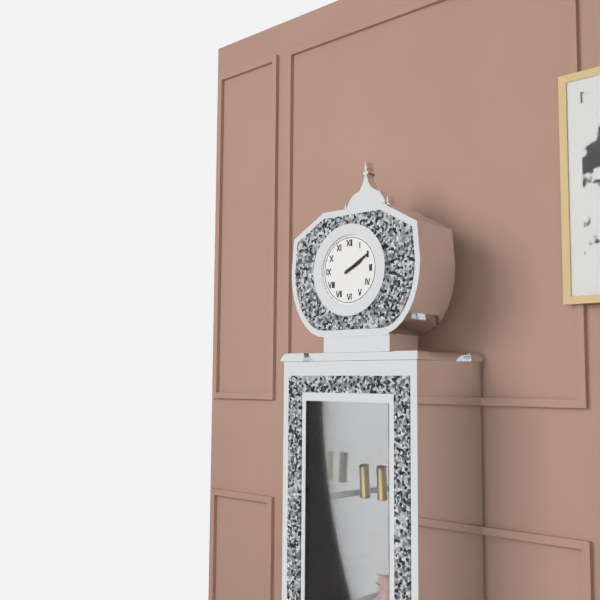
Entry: 2:10
